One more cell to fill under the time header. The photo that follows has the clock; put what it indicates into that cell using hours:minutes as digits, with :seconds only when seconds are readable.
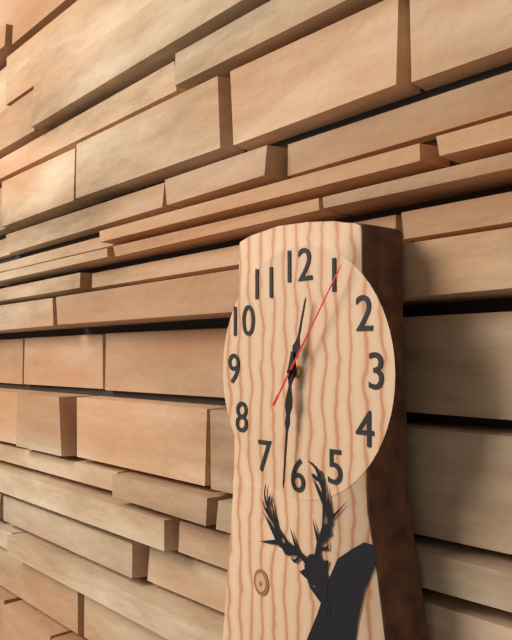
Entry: 12:31:06
